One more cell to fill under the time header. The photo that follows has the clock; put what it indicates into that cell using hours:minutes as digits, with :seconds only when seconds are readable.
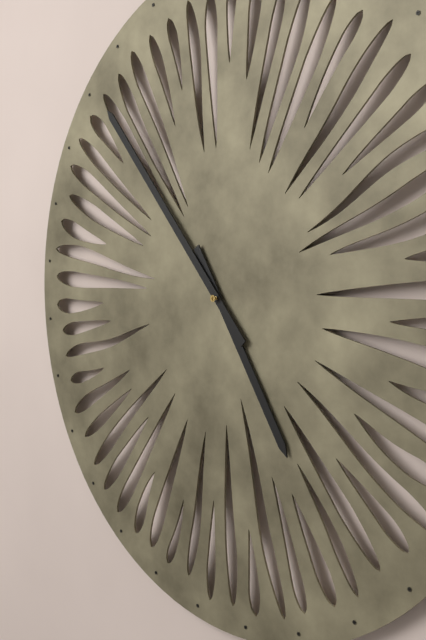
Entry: 4:53
